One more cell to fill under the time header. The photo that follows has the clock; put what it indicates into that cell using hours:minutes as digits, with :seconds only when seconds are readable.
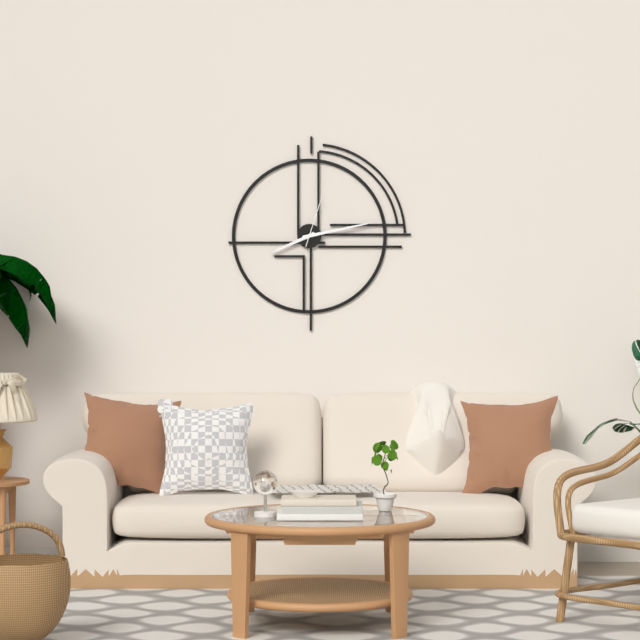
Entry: 8:13:03
